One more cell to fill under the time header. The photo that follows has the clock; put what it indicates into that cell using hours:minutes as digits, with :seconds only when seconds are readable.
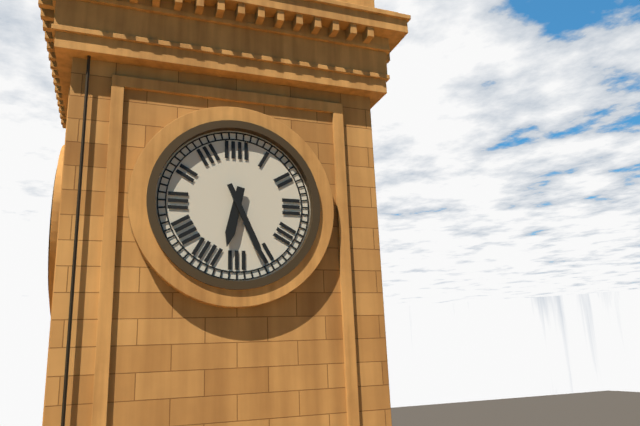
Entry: 6:26
